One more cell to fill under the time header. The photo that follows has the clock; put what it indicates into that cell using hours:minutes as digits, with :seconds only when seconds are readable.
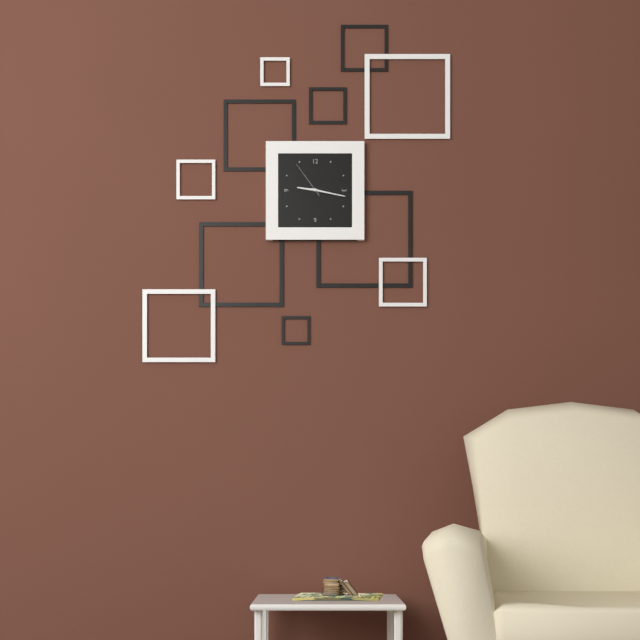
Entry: 9:17
